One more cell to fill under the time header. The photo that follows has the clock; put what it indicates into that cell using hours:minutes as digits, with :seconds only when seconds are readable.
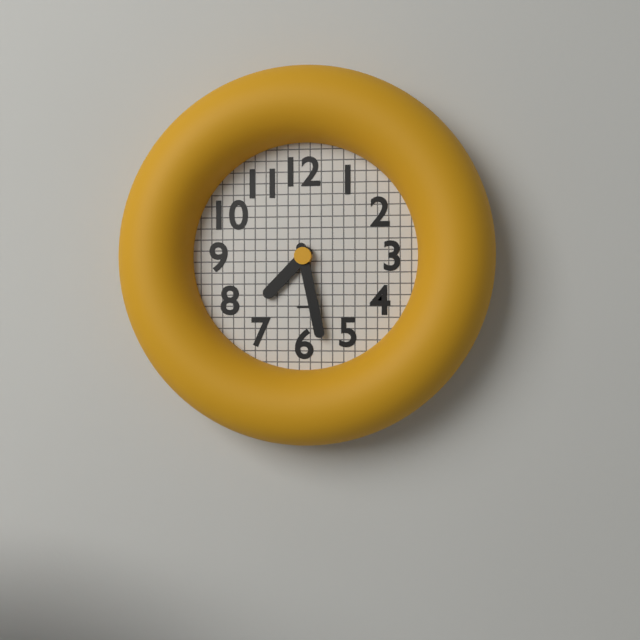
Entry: 7:28
